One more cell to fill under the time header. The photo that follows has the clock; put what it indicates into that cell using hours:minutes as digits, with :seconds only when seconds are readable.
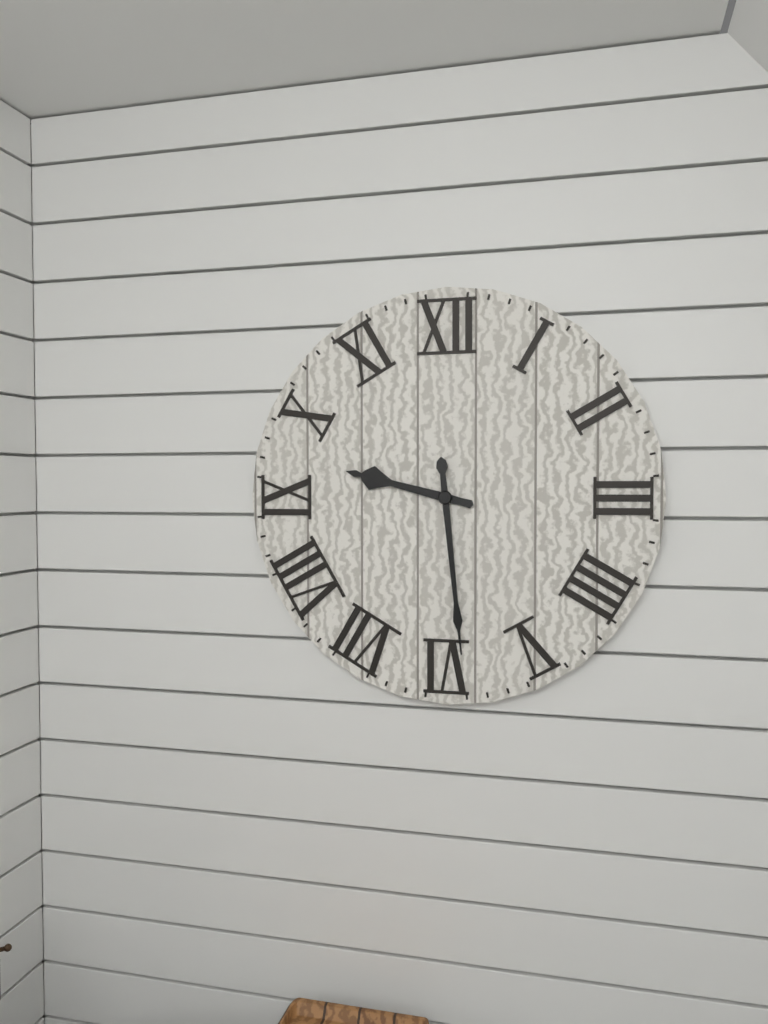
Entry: 9:29
